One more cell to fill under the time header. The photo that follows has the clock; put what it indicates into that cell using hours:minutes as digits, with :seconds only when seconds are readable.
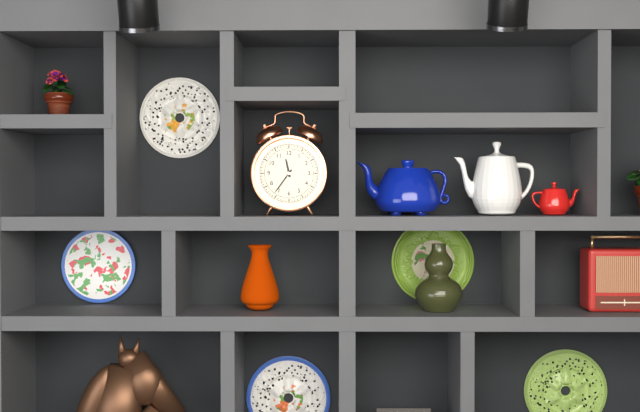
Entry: 11:36
